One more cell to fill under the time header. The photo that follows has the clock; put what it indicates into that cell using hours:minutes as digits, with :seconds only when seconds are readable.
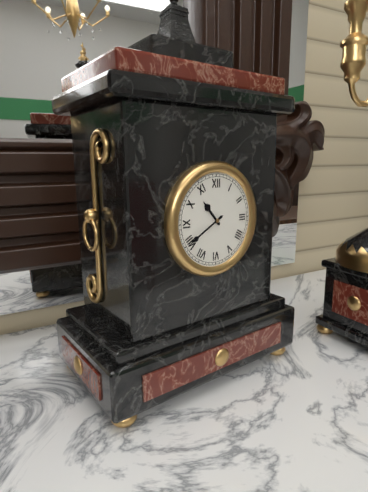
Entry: 10:40
